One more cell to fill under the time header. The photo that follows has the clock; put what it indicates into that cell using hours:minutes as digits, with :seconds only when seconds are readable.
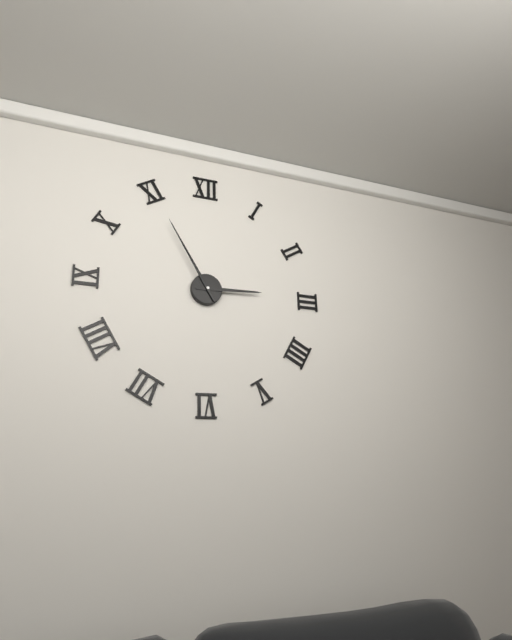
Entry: 2:55
